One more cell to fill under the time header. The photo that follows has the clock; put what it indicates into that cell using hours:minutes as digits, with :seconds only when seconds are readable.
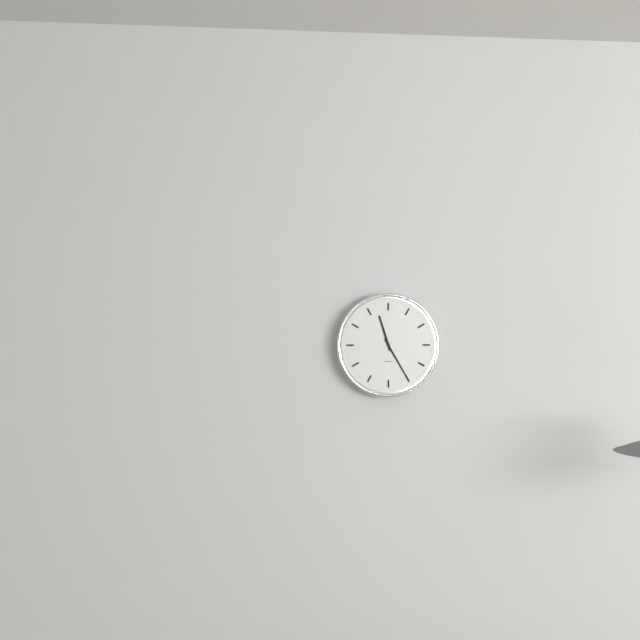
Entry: 11:25
